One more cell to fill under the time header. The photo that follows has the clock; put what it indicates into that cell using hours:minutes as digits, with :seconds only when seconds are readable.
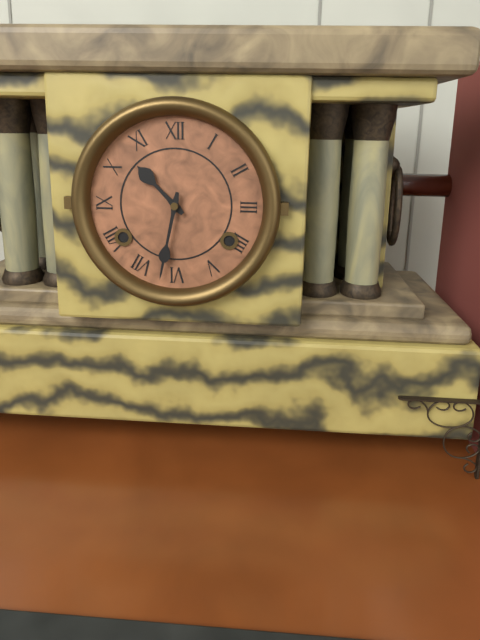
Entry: 10:32
